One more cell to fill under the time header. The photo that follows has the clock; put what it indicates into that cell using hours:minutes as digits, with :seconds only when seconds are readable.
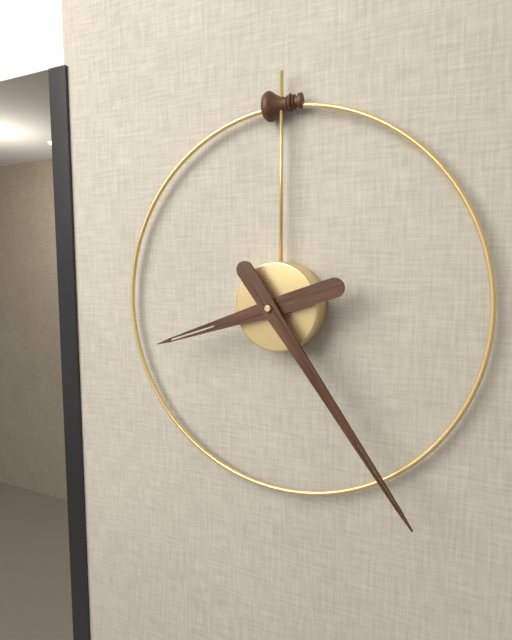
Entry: 8:24
